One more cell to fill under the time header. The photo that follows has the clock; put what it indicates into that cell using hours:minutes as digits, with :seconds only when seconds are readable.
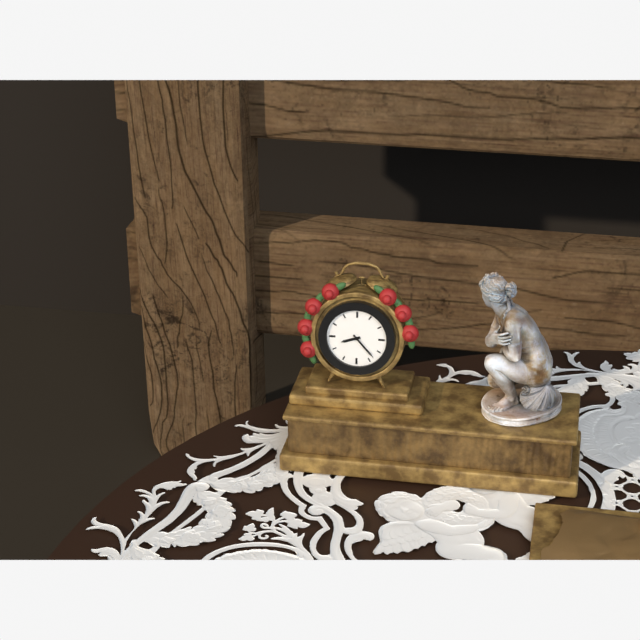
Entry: 8:23
